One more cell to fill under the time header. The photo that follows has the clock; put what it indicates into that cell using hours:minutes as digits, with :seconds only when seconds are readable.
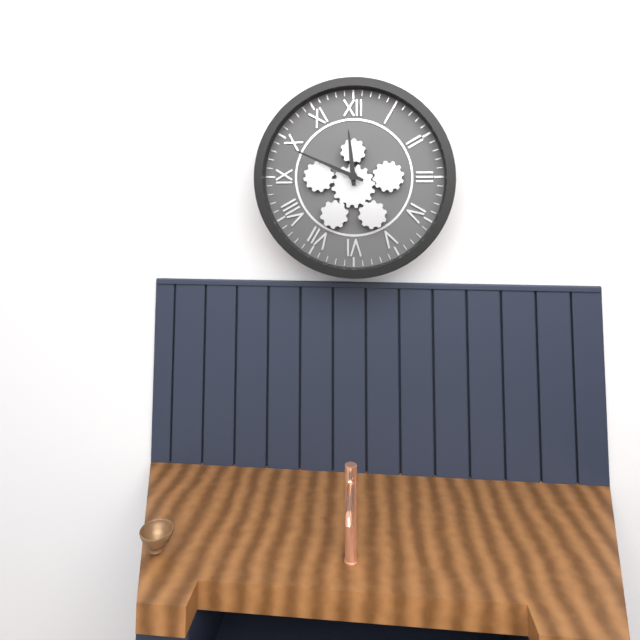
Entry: 11:49
